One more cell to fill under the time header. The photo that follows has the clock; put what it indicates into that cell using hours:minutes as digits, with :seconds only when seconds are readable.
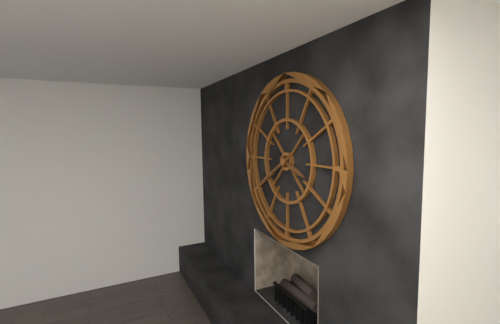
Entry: 3:40
